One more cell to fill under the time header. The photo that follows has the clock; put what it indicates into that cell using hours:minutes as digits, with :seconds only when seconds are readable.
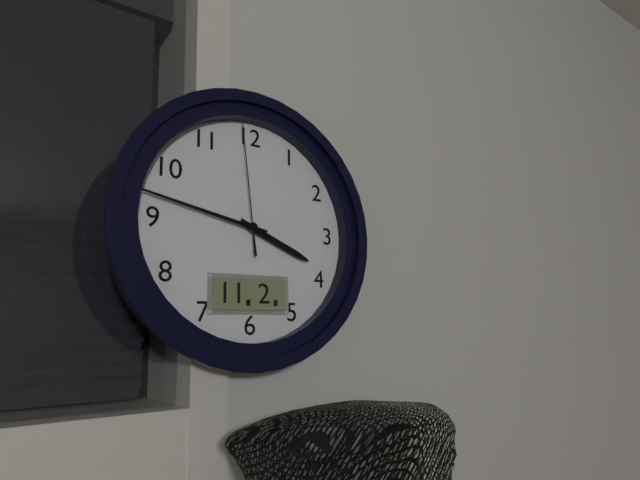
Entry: 3:47:59
